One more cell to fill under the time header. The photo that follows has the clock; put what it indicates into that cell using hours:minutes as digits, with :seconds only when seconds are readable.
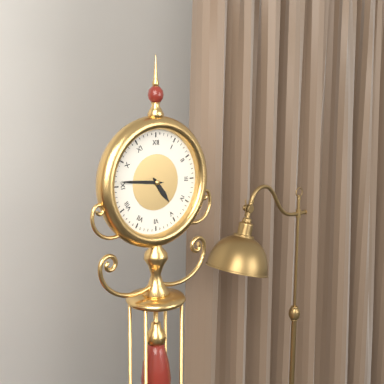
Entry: 4:46
